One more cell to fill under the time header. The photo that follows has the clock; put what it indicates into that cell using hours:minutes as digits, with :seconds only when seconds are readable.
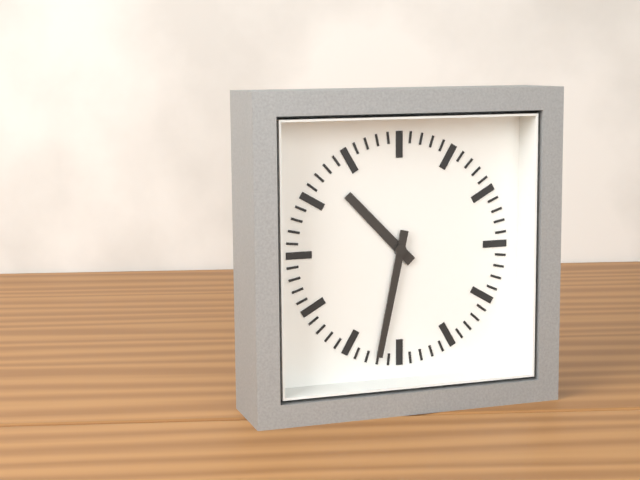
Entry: 10:32
